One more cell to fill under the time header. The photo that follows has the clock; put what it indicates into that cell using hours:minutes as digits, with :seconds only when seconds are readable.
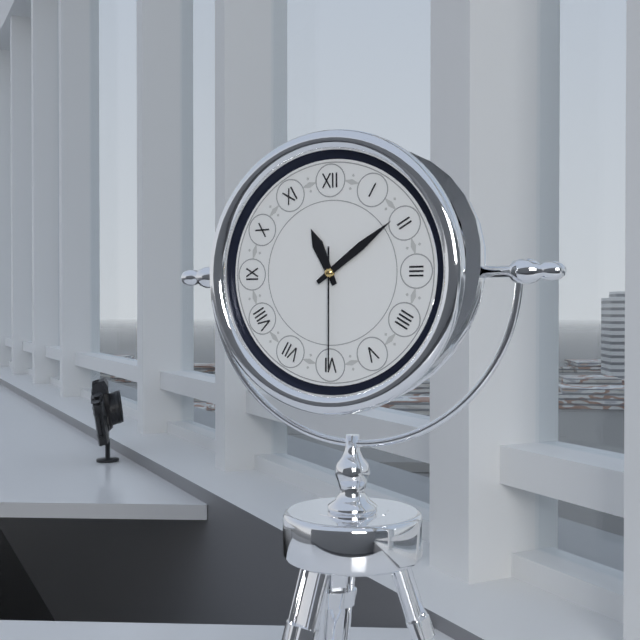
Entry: 11:09:30
